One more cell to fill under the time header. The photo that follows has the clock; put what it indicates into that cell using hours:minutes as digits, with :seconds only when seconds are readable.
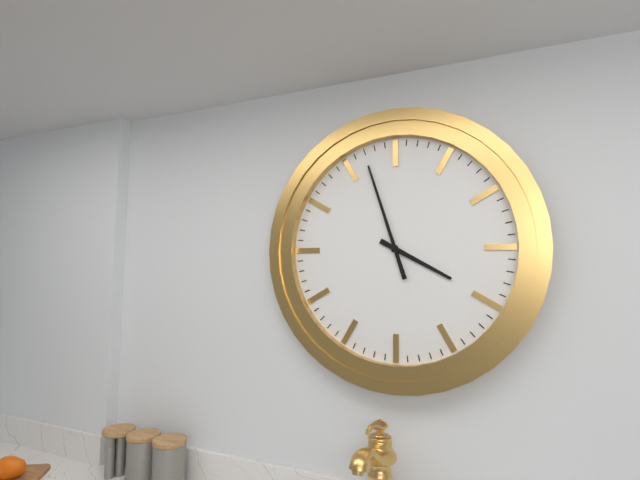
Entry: 3:57
